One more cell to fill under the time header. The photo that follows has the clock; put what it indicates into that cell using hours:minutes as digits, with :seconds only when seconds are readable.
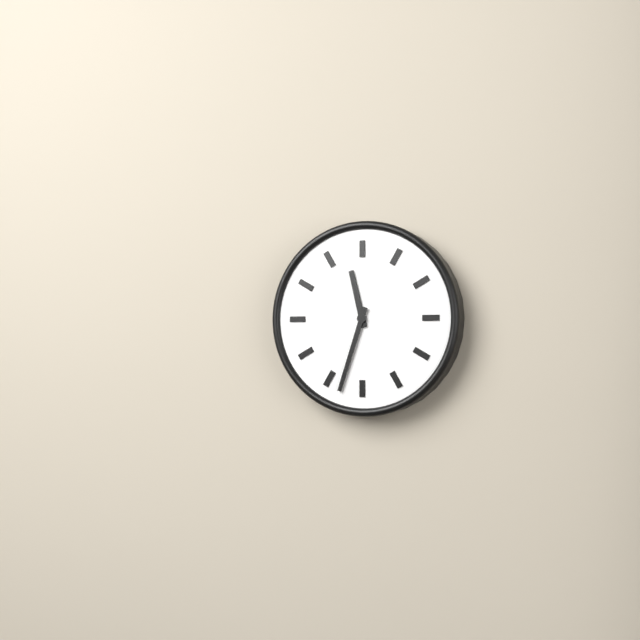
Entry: 11:33
